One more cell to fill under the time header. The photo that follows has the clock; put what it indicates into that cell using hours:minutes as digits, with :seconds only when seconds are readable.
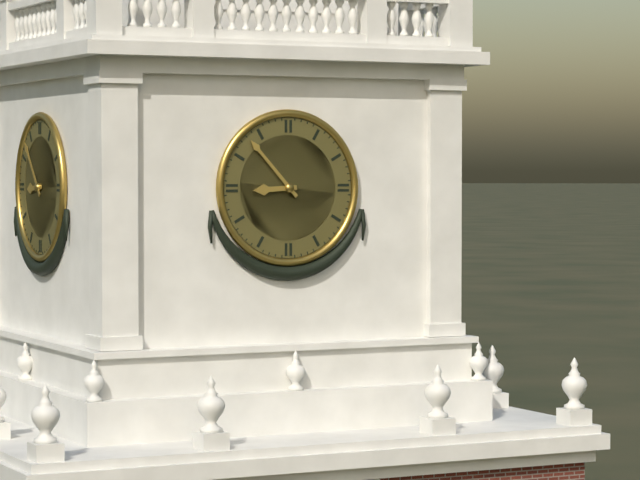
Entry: 8:53
